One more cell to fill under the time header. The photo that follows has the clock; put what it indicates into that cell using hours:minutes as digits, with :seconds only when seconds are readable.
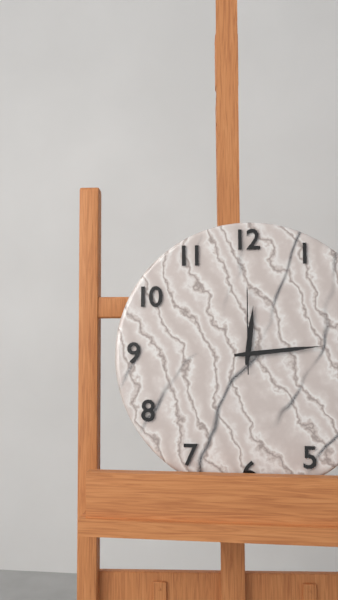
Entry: 12:14:00
